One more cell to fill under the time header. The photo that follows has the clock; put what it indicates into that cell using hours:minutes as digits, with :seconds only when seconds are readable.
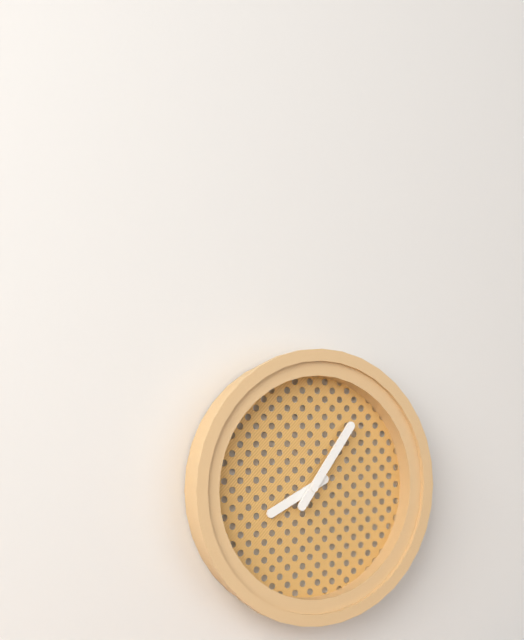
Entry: 8:06
